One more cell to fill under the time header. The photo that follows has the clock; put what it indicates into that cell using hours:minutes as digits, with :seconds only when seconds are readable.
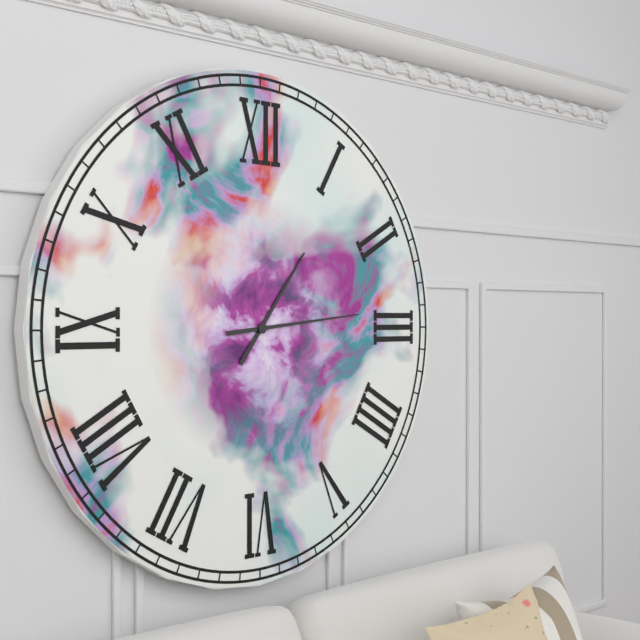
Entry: 1:14
